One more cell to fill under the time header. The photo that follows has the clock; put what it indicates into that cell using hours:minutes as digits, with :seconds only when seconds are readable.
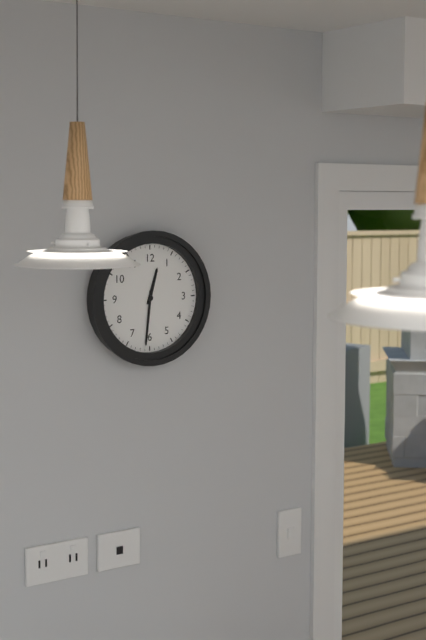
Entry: 12:31
